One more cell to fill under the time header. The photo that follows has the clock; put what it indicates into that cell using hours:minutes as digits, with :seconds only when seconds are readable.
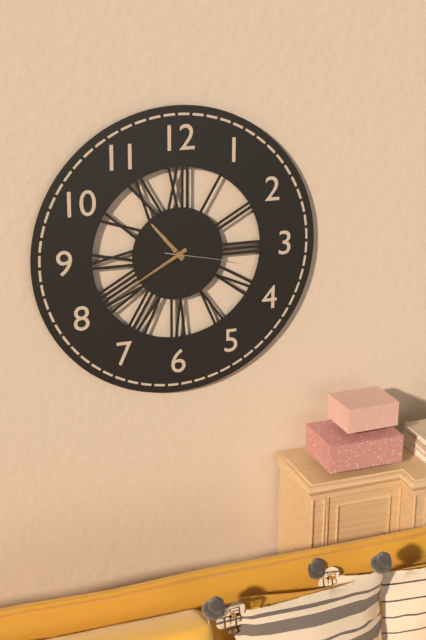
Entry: 10:40:17
